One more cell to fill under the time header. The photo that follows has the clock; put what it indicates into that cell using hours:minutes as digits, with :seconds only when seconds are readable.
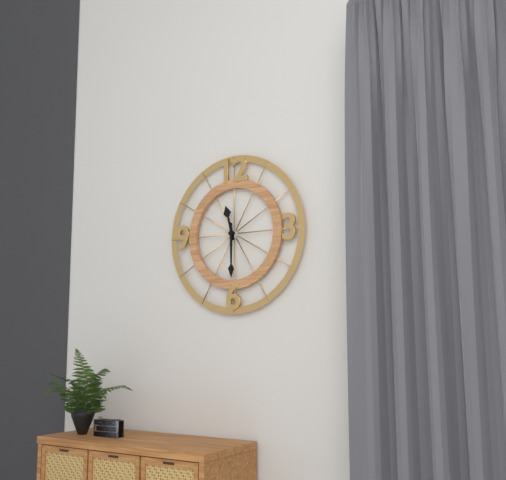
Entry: 11:30
